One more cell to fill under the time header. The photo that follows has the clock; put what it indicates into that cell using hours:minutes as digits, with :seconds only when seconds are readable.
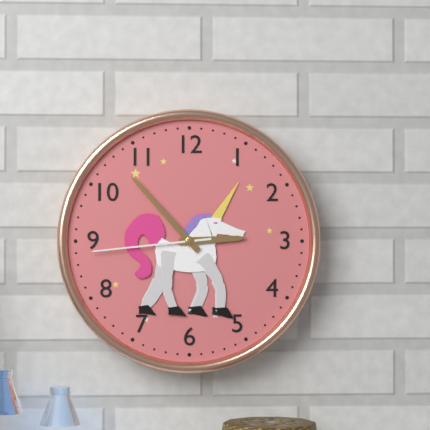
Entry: 2:53:44
